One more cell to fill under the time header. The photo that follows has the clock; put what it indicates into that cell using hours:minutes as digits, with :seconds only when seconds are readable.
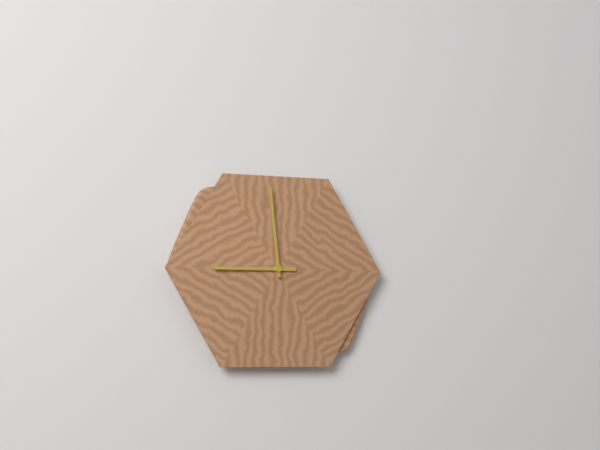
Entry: 8:59
